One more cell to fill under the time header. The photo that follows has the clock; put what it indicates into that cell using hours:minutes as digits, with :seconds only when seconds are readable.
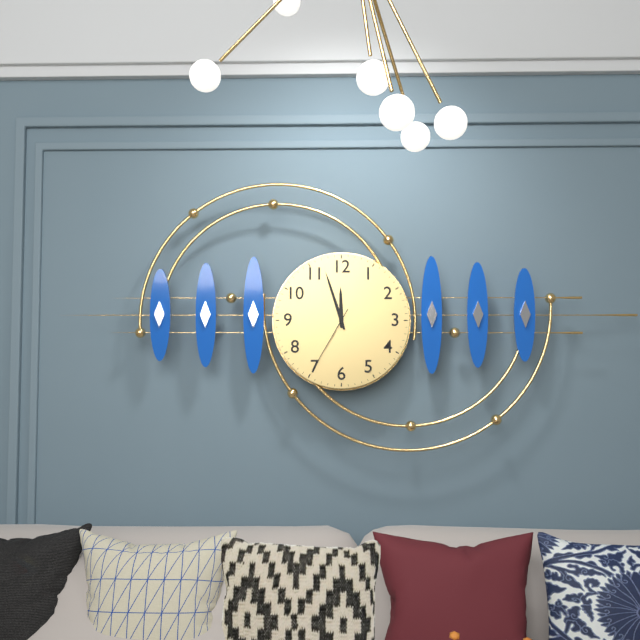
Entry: 11:57:35
